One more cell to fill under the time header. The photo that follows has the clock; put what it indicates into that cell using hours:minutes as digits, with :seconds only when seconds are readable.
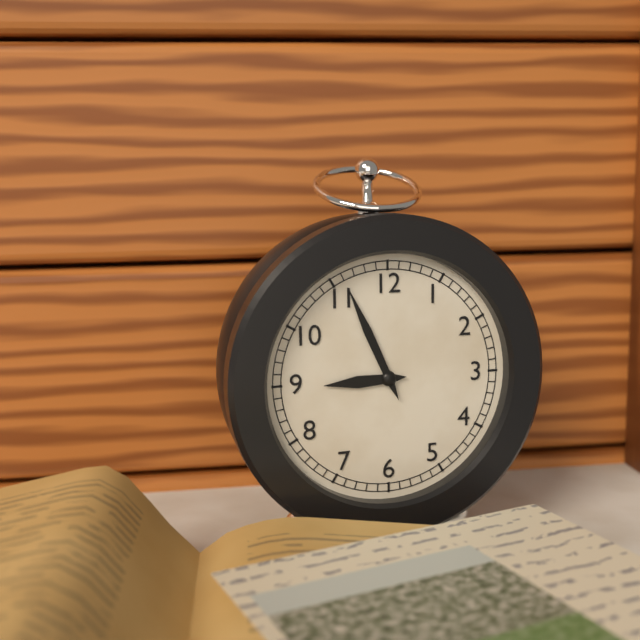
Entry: 8:56
